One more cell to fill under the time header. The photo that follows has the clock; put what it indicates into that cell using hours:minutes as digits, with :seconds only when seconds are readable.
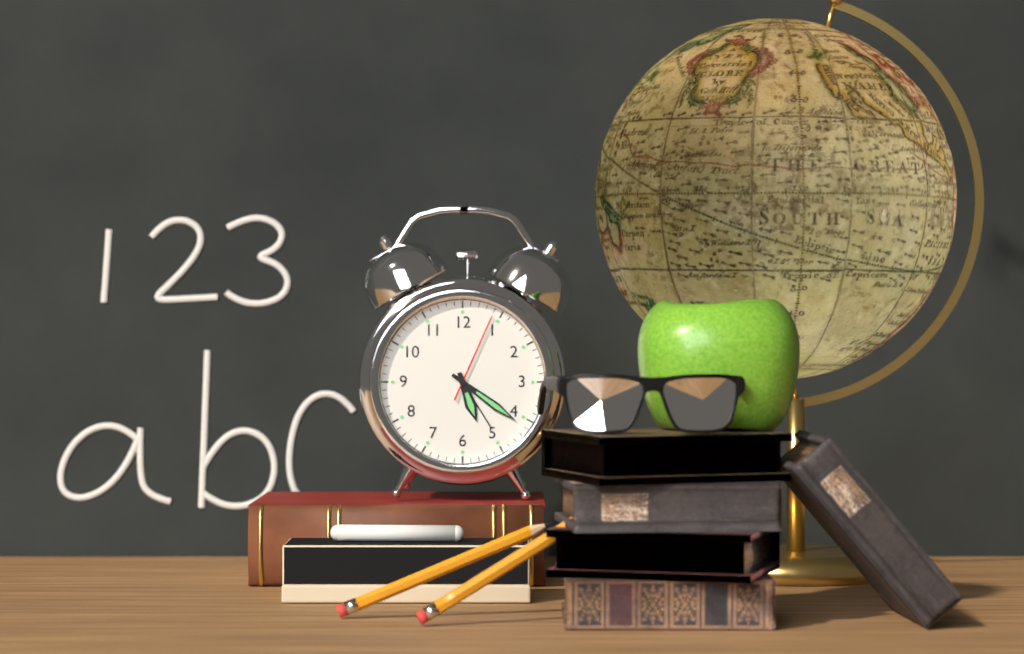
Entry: 5:21:04
